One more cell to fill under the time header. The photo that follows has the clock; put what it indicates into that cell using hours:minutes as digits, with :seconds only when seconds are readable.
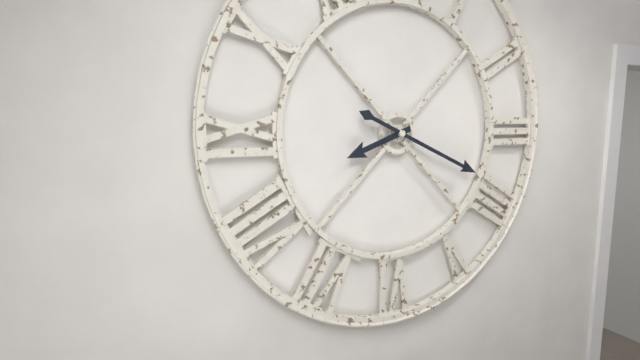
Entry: 8:19
